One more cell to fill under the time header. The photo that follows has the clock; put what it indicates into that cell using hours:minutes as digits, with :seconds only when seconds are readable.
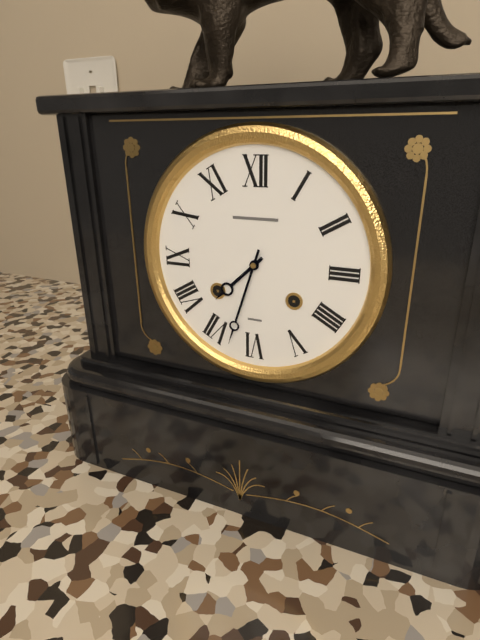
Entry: 7:33
